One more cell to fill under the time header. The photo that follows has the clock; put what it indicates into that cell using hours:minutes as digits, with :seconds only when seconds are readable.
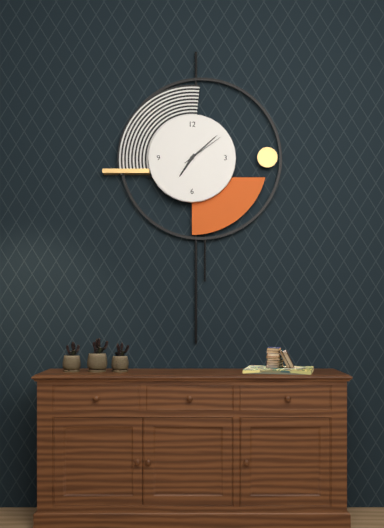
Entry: 7:08
